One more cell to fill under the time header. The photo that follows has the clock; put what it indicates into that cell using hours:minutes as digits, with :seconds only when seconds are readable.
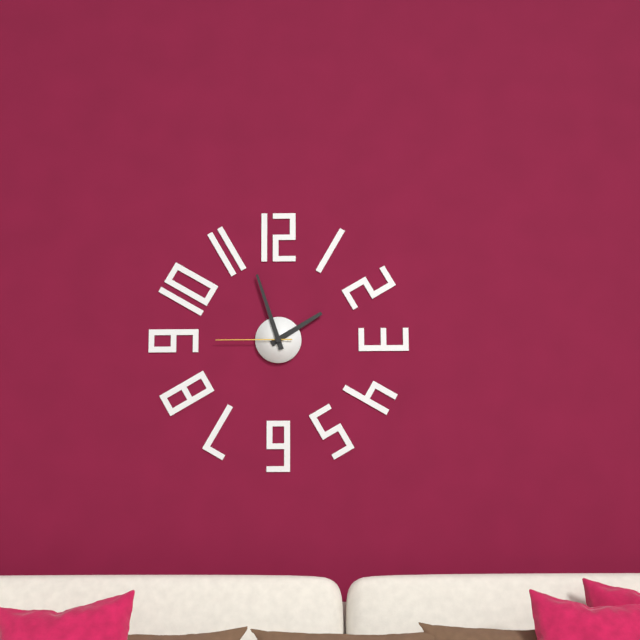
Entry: 1:57:45
